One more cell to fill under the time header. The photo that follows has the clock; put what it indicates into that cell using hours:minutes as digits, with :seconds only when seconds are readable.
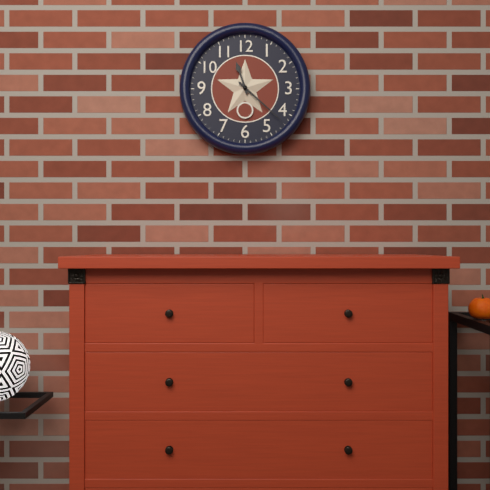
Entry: 11:22
